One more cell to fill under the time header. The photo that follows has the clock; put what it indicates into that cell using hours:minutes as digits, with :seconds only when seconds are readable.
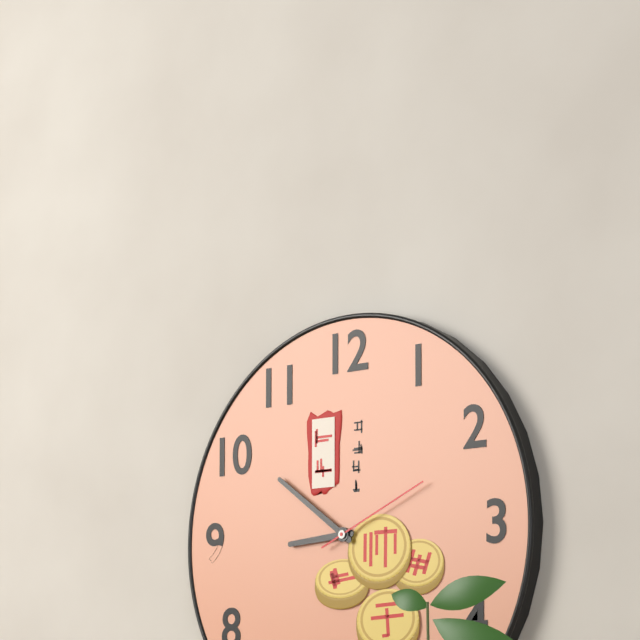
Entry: 8:51:11
